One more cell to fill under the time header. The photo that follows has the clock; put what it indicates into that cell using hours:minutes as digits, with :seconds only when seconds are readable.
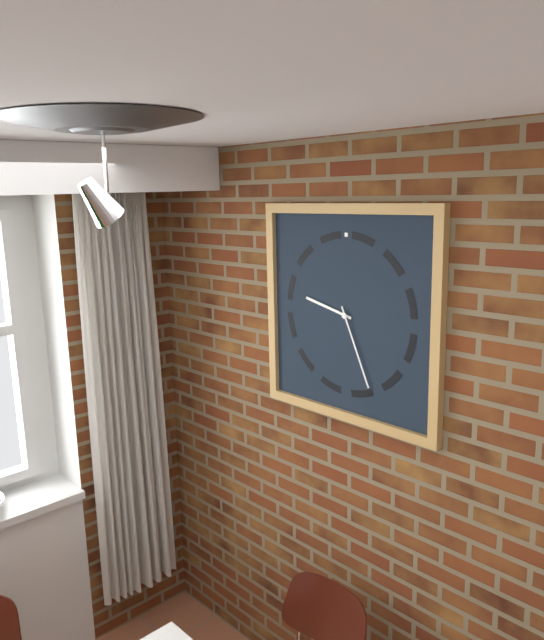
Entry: 9:26
